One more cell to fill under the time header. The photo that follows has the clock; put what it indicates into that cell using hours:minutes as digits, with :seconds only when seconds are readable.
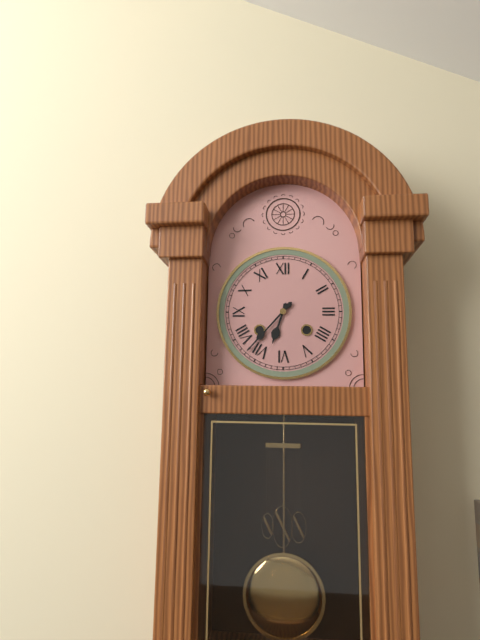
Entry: 6:37
